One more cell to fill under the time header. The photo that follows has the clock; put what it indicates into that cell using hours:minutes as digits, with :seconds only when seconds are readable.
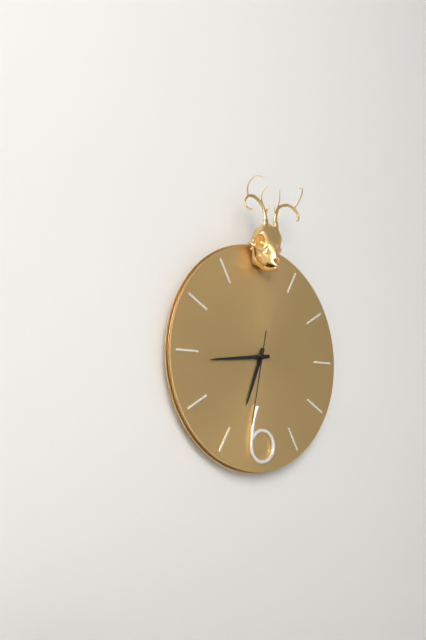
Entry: 6:44:32
